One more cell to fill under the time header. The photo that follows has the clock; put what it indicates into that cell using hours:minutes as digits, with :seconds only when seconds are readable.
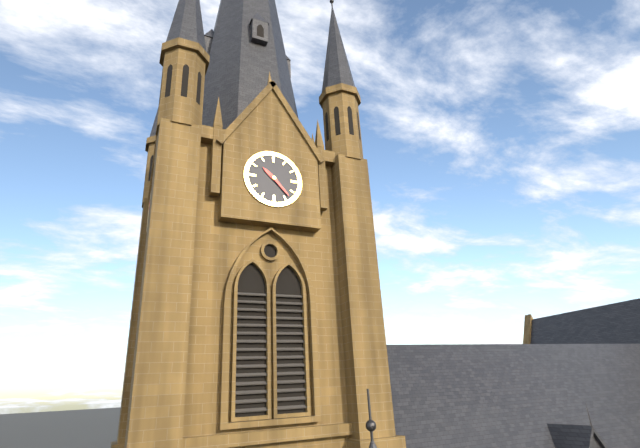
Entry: 10:23
